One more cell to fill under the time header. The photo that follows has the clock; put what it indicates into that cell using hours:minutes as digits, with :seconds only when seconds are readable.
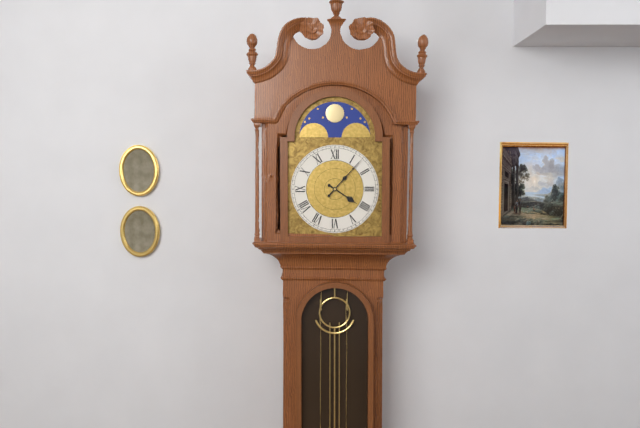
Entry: 4:07
